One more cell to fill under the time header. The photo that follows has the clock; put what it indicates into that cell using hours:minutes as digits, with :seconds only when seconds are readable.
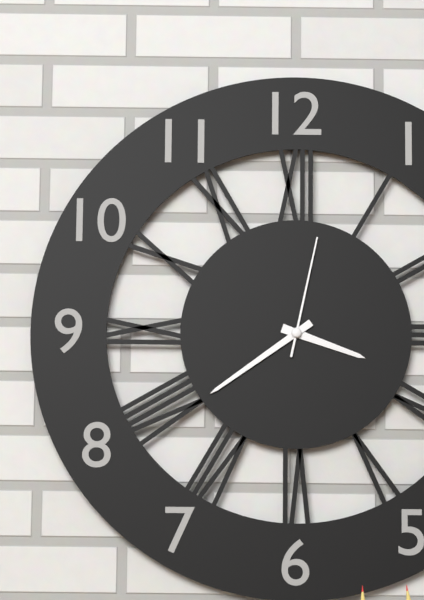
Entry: 3:39:02
